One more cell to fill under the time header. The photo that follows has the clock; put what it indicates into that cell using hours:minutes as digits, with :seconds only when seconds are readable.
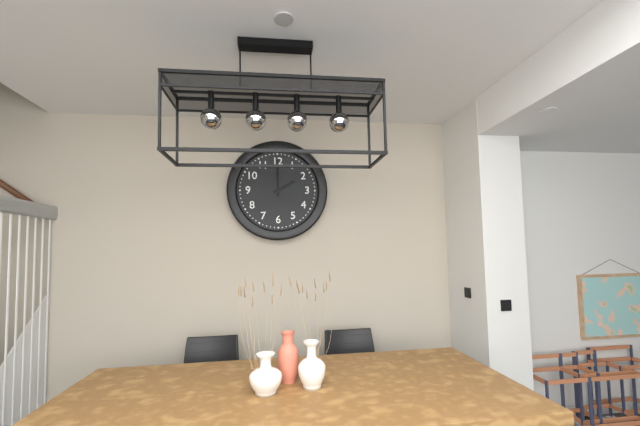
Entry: 2:00
